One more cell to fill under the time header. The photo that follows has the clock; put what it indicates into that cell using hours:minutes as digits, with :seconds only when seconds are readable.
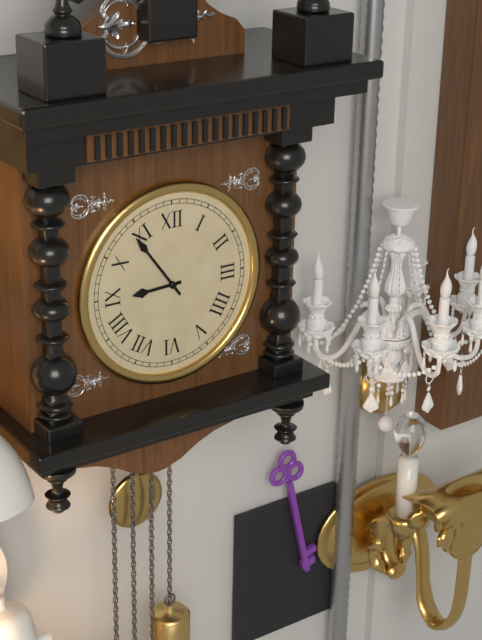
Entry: 8:54
